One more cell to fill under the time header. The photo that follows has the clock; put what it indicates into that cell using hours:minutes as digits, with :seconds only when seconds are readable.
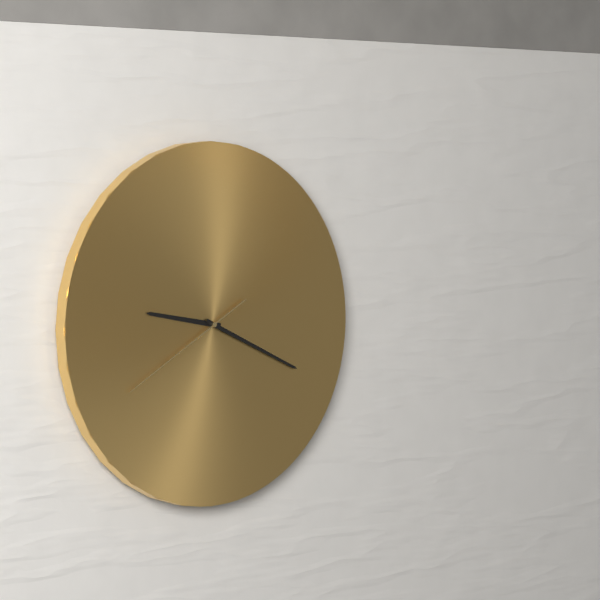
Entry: 9:19:40
